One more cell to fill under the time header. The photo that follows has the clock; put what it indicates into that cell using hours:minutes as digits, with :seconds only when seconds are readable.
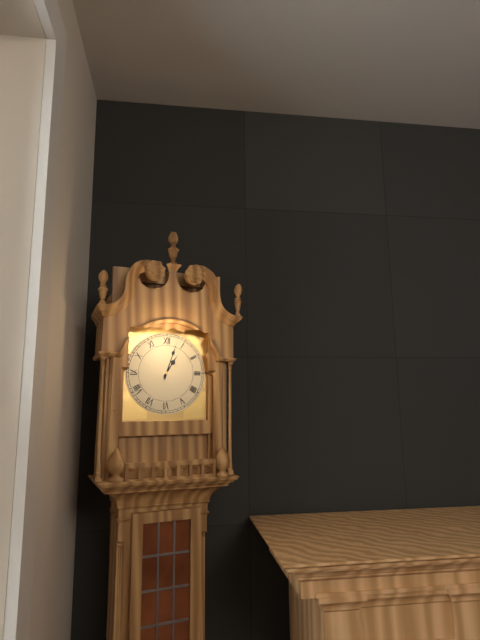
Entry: 1:03
